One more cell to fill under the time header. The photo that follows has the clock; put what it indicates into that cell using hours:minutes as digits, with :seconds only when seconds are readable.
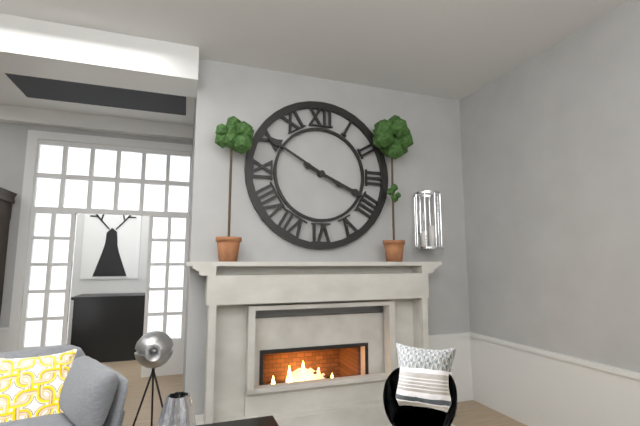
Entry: 3:50
